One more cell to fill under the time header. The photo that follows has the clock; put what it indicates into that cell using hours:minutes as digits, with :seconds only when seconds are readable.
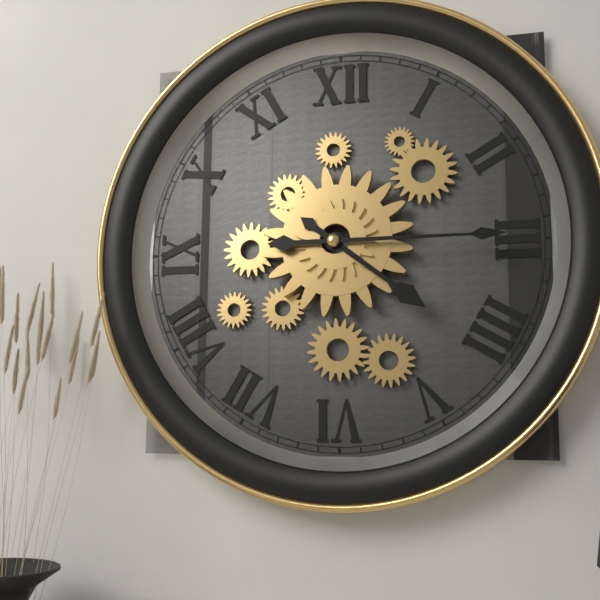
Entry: 4:15
